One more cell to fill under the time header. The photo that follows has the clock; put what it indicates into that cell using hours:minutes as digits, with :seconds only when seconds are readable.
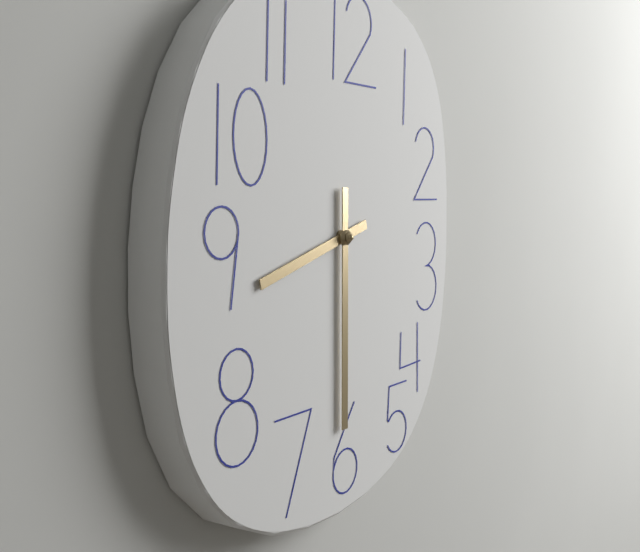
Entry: 8:30
